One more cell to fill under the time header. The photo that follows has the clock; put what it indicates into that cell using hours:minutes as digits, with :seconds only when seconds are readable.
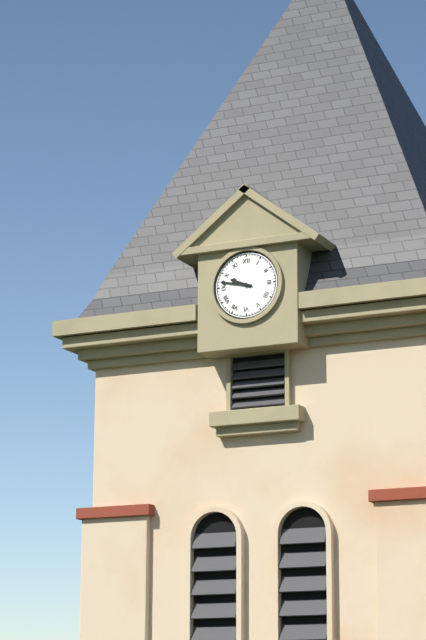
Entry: 9:47
